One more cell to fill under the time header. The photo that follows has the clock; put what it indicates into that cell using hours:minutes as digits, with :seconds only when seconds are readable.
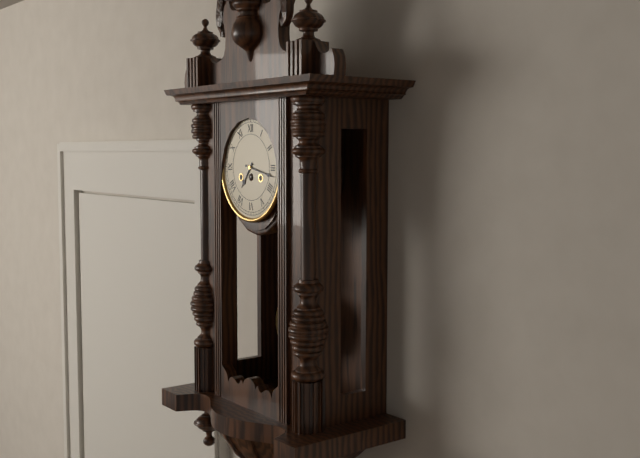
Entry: 7:17
